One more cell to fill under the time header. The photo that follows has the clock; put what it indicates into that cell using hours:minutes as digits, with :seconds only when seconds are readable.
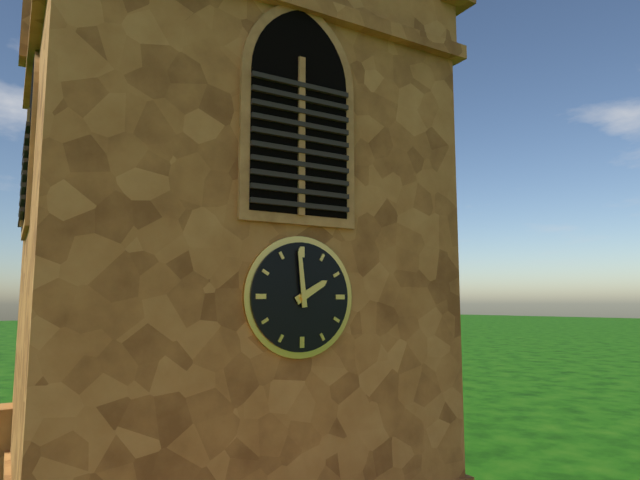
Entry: 1:59
